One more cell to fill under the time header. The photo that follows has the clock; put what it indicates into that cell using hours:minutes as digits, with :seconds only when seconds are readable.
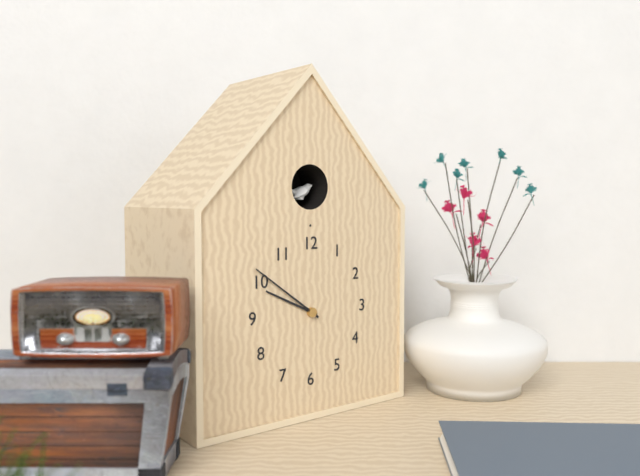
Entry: 9:51
